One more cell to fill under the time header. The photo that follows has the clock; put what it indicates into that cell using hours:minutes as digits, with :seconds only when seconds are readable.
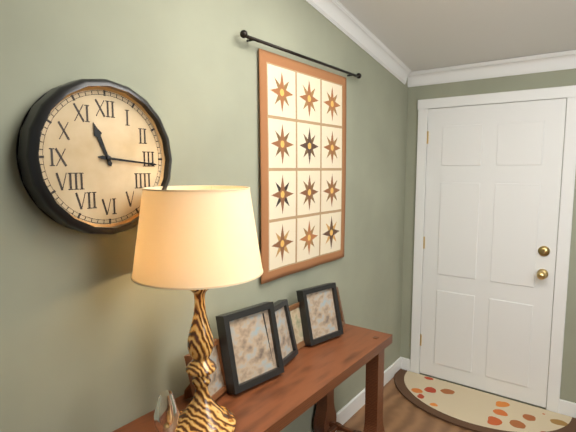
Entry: 11:16
